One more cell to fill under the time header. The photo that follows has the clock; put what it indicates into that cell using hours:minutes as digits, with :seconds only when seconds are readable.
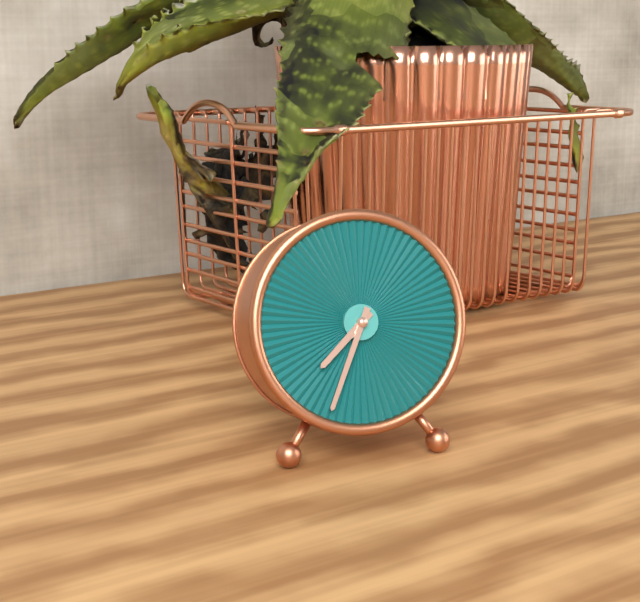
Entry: 7:34
